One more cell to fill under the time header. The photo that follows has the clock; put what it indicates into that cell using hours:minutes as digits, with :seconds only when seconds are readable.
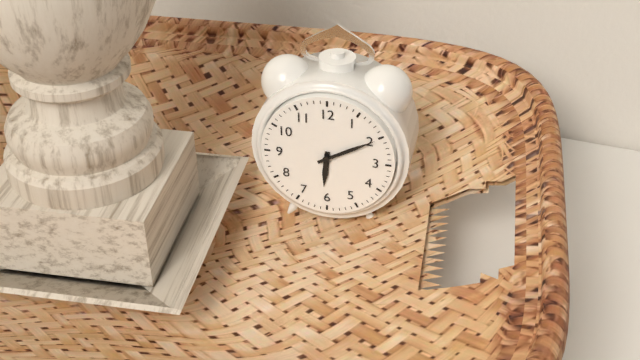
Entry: 6:10
